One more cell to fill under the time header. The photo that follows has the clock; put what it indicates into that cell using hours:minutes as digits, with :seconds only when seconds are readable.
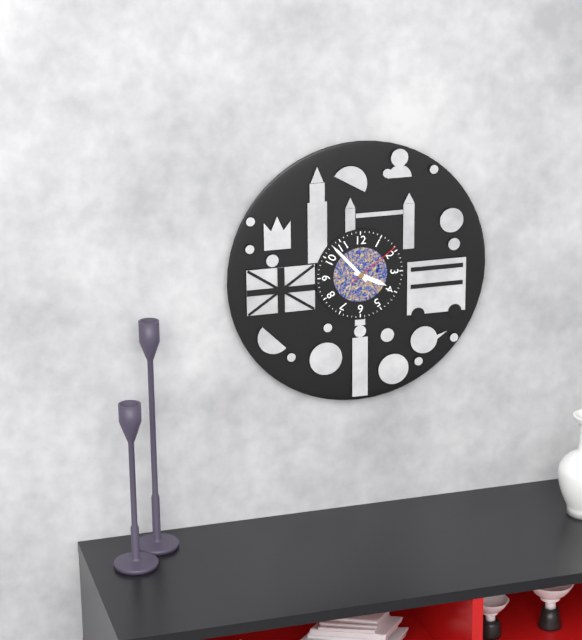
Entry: 3:53:09
